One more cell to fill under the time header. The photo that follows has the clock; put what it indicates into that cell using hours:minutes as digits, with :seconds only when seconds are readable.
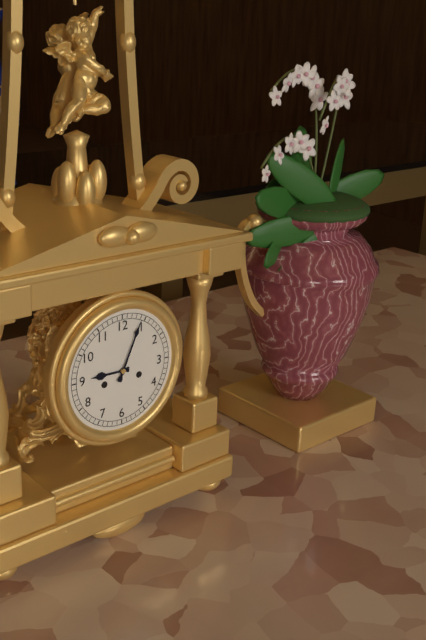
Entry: 9:04
